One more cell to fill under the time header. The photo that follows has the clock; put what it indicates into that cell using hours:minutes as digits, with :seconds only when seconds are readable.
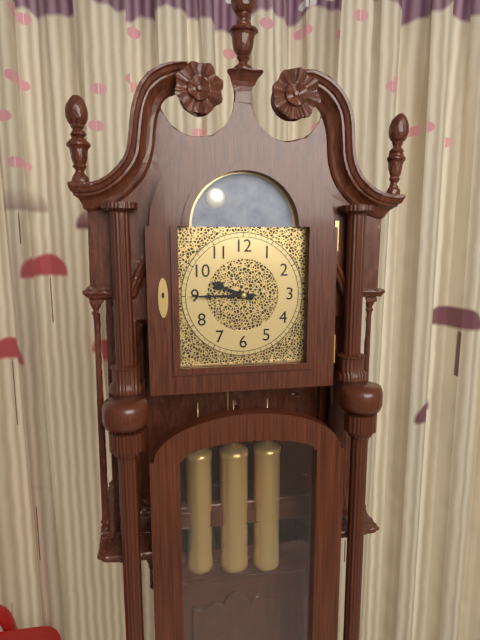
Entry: 9:45
